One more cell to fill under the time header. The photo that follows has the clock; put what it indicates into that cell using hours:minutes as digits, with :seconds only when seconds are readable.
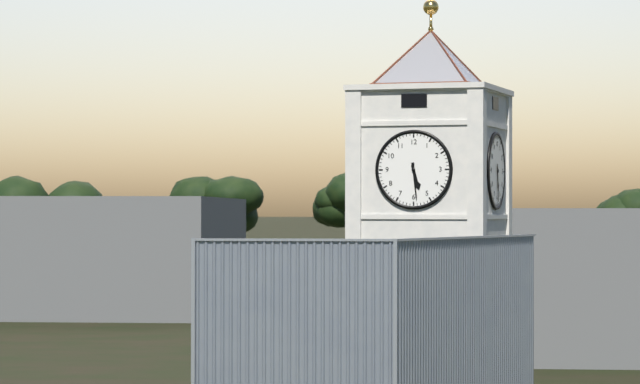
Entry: 5:29
